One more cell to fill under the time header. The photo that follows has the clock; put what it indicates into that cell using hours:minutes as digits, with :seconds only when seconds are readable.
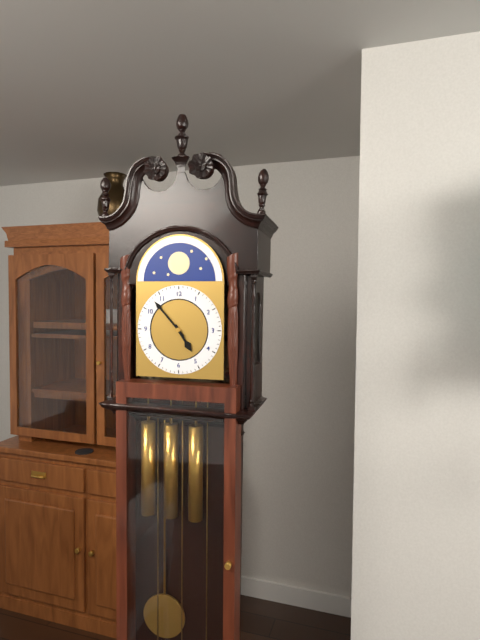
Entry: 4:53
